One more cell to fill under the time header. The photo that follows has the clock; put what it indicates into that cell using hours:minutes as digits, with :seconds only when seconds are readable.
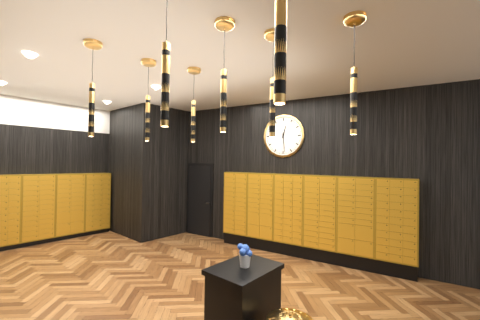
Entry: 12:29
